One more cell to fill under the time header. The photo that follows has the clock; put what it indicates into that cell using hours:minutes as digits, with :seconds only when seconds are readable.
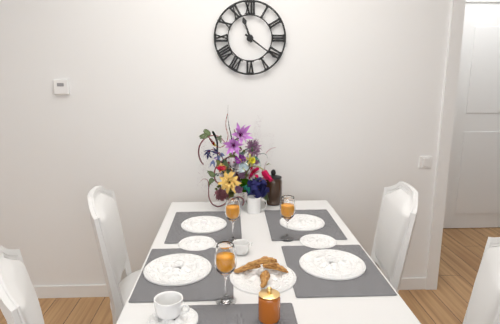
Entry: 11:21
